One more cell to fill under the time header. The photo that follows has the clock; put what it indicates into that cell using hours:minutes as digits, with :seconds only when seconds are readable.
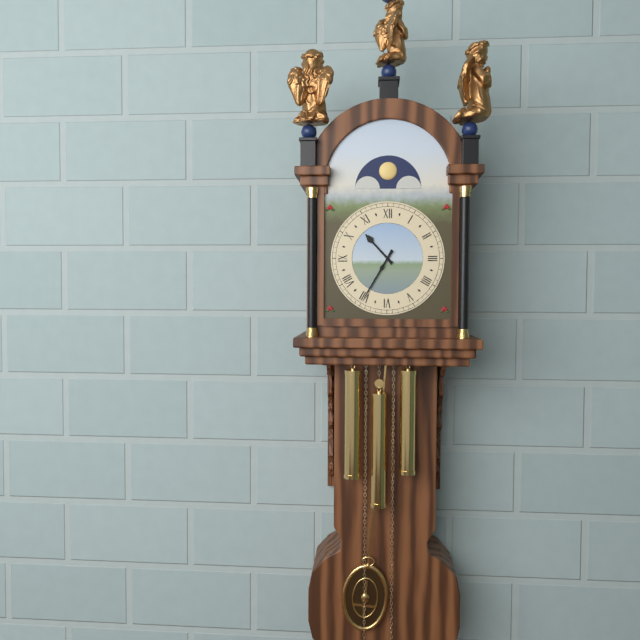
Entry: 10:35
